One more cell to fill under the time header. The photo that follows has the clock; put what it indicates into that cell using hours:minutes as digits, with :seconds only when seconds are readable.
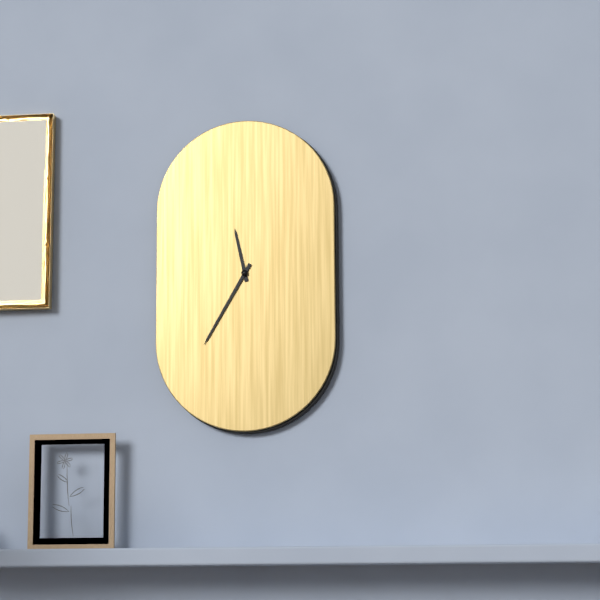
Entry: 11:35
